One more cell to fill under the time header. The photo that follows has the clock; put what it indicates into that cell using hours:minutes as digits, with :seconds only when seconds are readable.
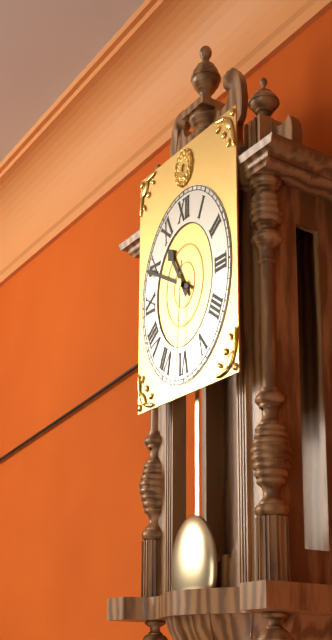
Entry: 10:49:31
